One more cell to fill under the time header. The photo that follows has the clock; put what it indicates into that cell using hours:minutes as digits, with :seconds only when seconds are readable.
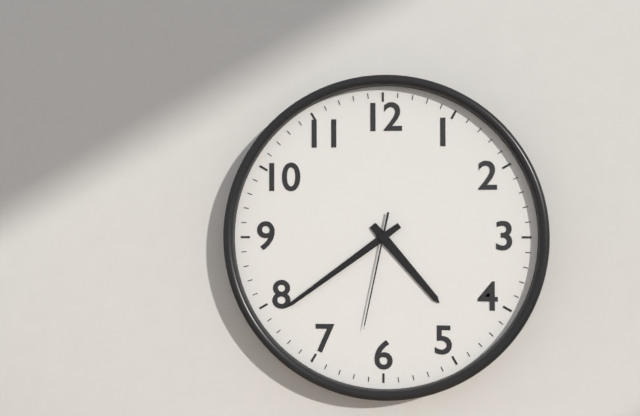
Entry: 4:39:32
